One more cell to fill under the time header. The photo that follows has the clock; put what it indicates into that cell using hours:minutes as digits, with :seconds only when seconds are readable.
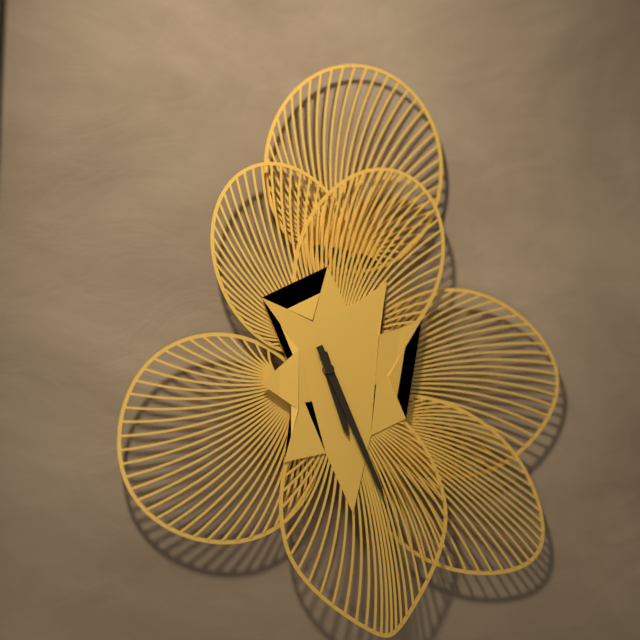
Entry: 5:26
